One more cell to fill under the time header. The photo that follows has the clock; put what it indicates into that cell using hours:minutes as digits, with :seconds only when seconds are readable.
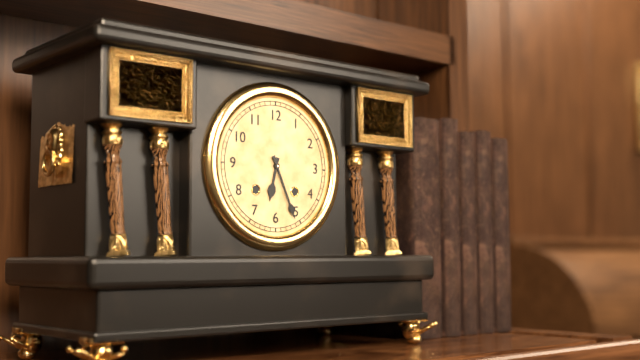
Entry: 6:26
